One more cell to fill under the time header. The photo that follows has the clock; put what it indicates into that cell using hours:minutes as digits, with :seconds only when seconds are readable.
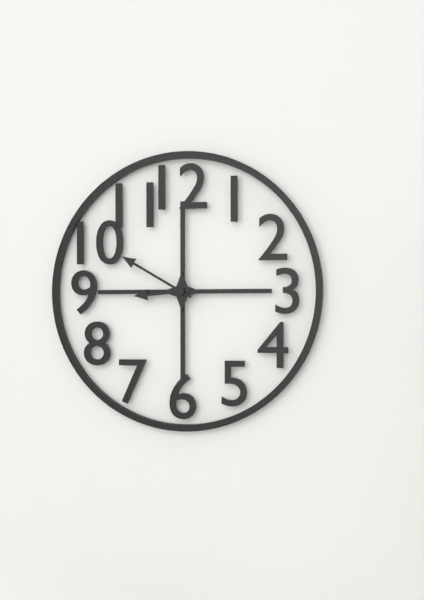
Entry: 8:50
